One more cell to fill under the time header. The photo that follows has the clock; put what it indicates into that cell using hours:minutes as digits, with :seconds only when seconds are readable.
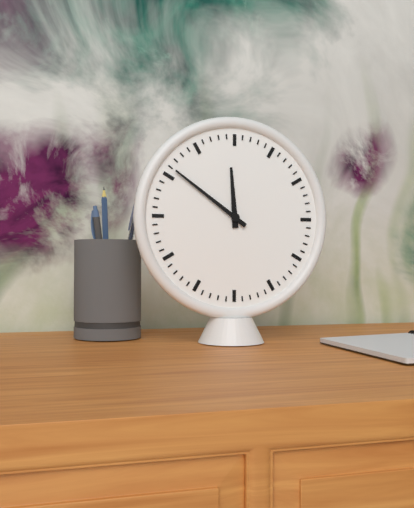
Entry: 11:51
